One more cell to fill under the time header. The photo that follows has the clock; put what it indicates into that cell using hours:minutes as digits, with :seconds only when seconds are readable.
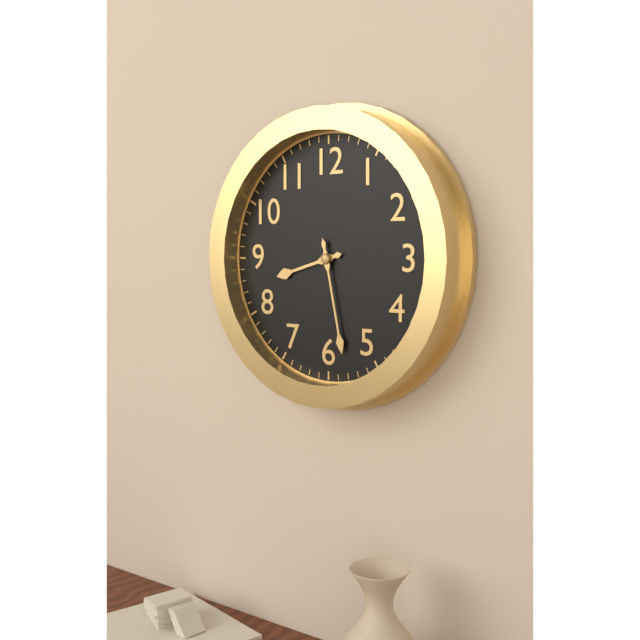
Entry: 8:28
